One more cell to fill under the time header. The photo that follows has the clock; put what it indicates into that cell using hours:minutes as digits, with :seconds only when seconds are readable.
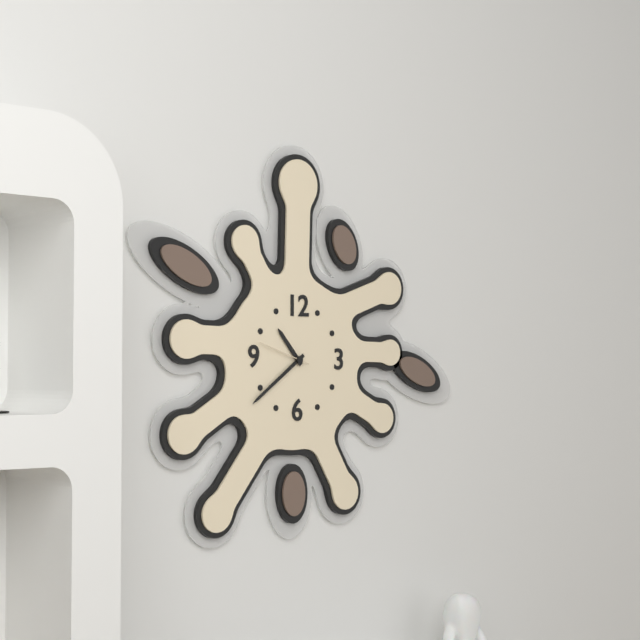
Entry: 10:39:48
